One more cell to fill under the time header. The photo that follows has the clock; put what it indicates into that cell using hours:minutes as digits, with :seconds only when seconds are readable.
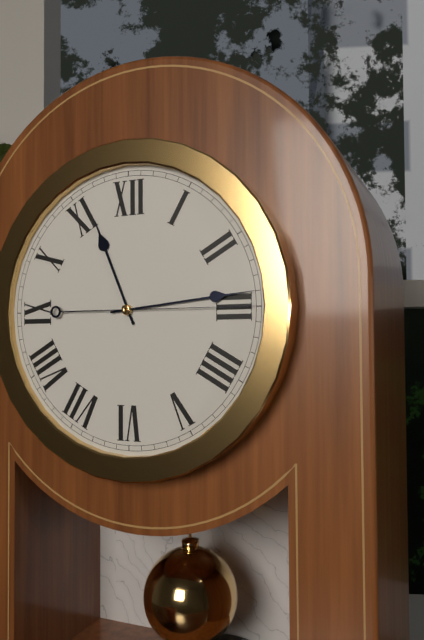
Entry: 11:14:15
